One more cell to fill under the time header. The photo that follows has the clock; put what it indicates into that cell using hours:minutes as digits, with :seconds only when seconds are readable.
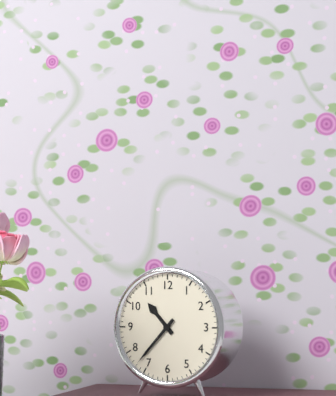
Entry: 10:37
